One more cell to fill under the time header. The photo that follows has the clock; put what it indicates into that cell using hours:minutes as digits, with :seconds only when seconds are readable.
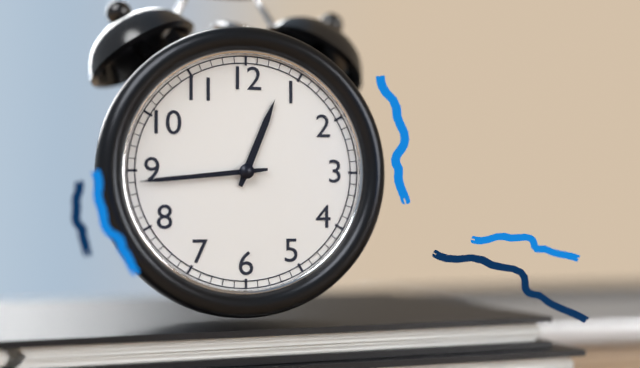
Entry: 12:44
